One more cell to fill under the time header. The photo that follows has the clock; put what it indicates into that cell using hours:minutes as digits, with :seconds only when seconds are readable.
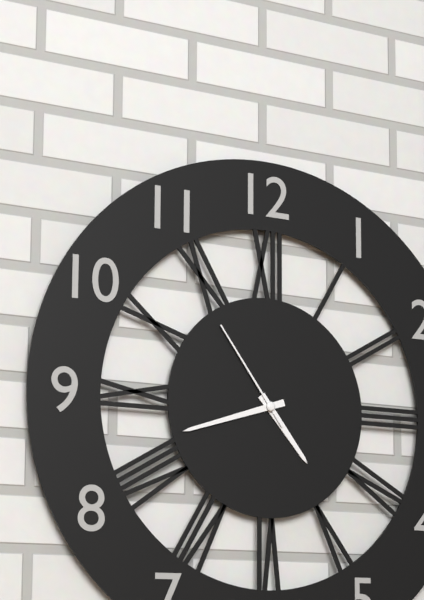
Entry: 4:42:54
